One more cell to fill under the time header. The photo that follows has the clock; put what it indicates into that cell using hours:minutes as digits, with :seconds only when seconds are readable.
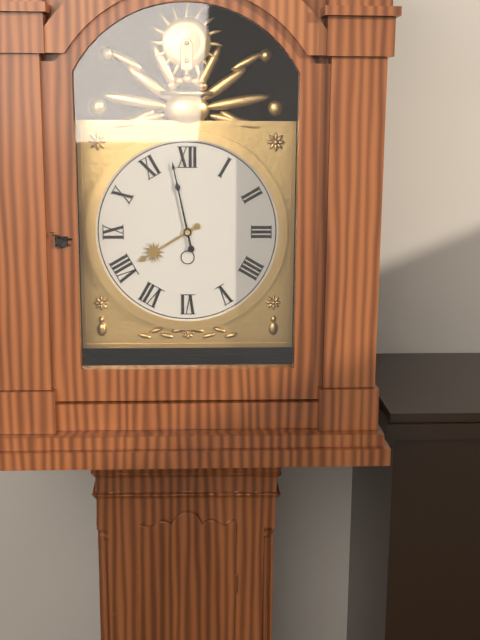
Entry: 7:58
